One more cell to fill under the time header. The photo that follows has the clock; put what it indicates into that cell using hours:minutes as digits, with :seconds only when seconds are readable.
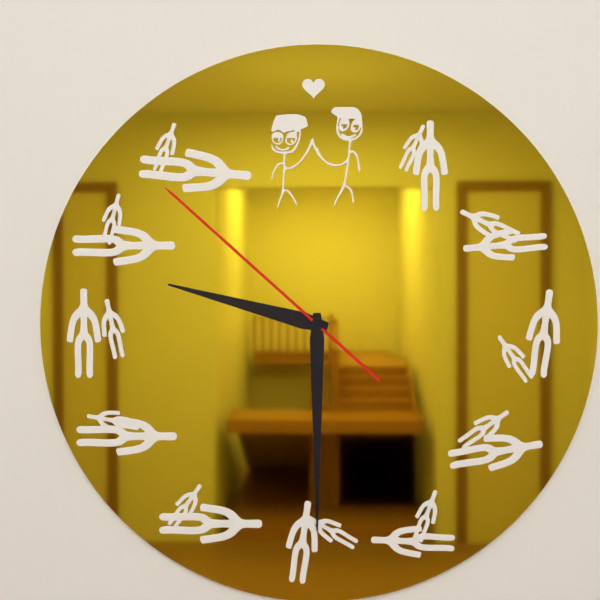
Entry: 9:30:52
